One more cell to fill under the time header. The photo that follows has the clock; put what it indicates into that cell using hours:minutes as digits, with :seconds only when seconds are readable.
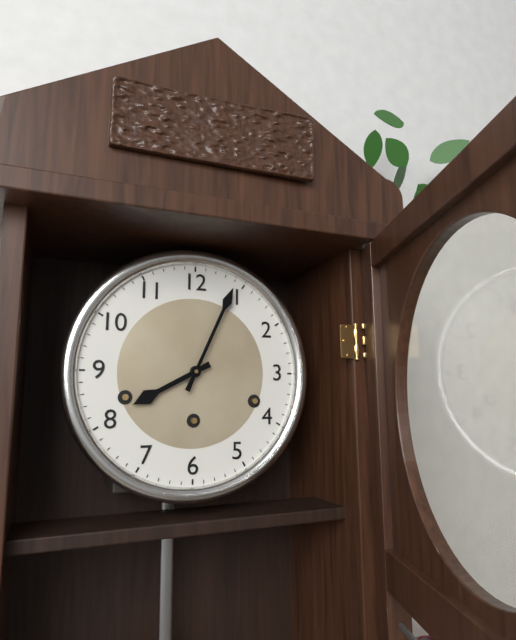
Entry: 8:04
